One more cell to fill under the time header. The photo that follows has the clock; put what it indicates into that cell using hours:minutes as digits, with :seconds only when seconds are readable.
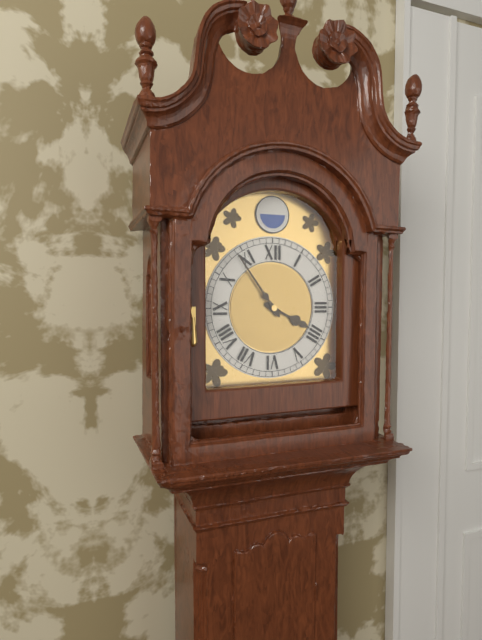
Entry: 3:54
